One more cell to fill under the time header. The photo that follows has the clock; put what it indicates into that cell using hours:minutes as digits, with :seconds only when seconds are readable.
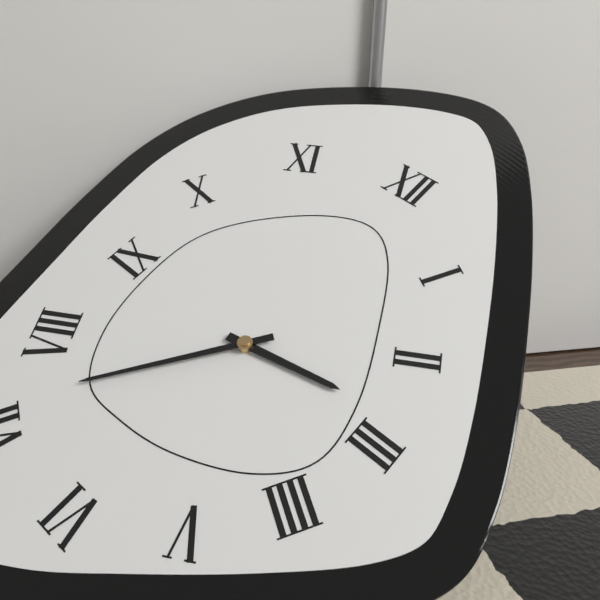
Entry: 2:36
